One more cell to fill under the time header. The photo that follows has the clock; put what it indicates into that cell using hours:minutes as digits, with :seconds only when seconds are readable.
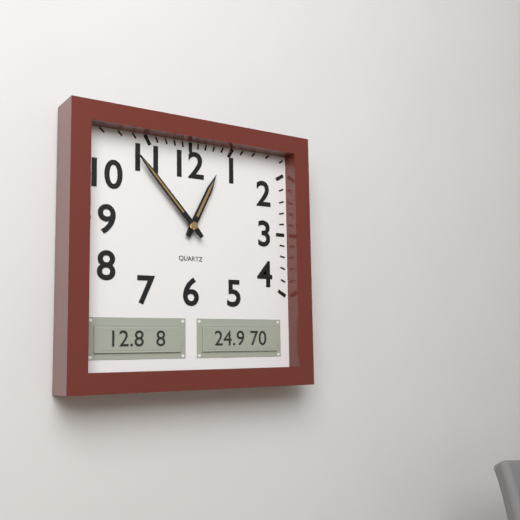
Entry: 12:53
